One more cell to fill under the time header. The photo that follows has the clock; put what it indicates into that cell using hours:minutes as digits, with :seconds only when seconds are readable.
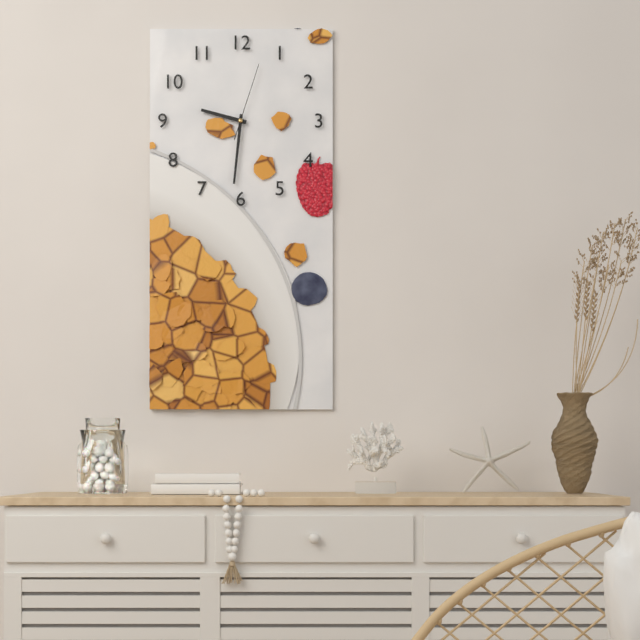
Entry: 9:31:03
